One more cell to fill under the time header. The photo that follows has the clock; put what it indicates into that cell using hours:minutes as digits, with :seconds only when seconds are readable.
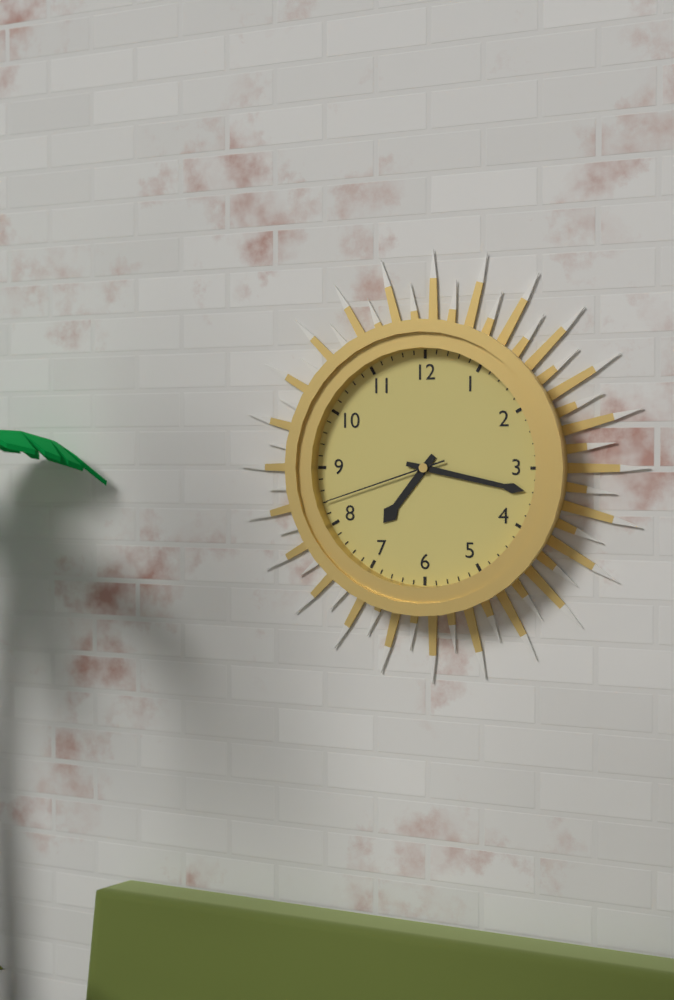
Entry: 7:17:42
